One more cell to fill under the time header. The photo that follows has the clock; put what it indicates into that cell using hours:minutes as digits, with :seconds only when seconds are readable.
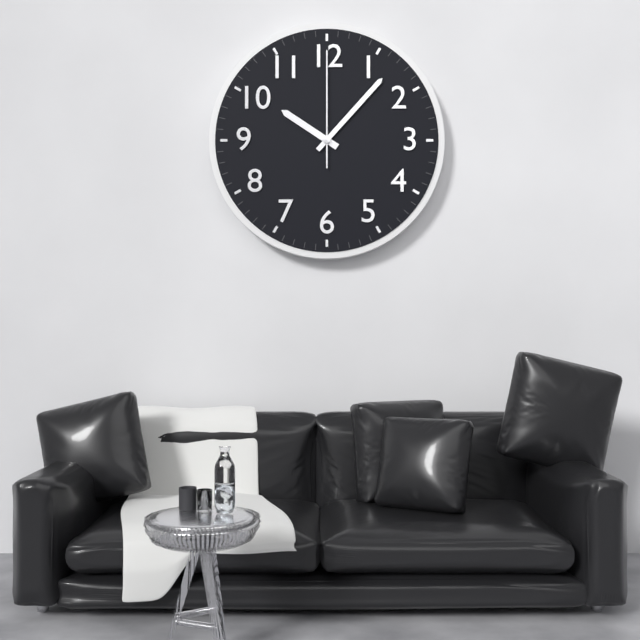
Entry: 10:07:00
